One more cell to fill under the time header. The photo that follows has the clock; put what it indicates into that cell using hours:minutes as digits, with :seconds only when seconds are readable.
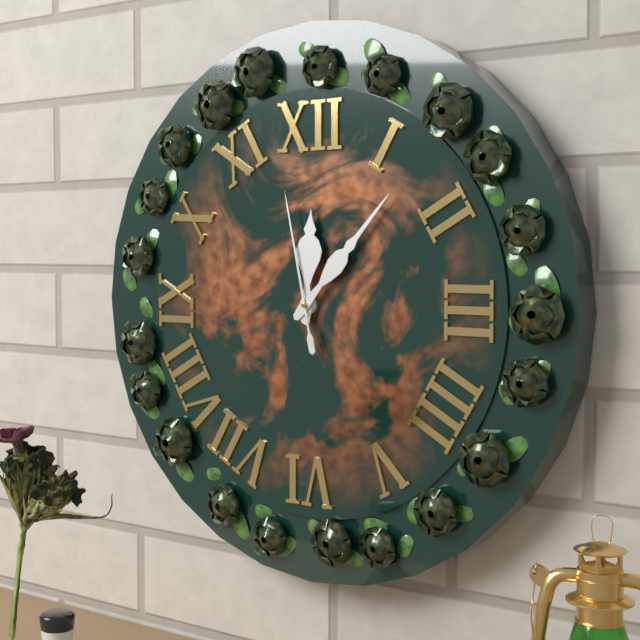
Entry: 12:07:58
